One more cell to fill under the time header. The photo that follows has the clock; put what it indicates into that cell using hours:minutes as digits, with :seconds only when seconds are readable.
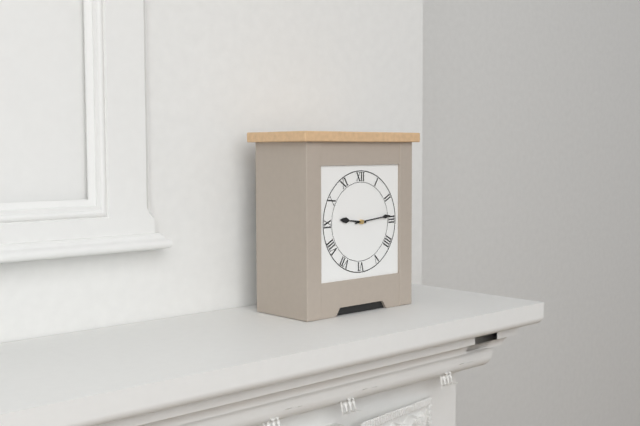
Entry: 9:14
